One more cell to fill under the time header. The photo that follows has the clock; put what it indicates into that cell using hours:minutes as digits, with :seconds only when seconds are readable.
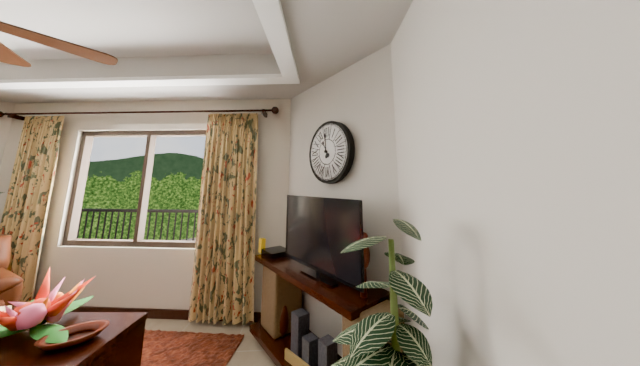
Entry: 10:59
